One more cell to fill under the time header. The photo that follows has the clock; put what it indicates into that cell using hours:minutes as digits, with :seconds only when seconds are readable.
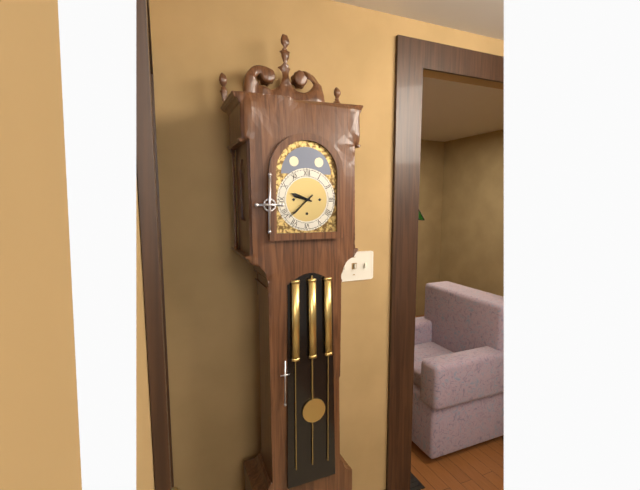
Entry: 9:38
